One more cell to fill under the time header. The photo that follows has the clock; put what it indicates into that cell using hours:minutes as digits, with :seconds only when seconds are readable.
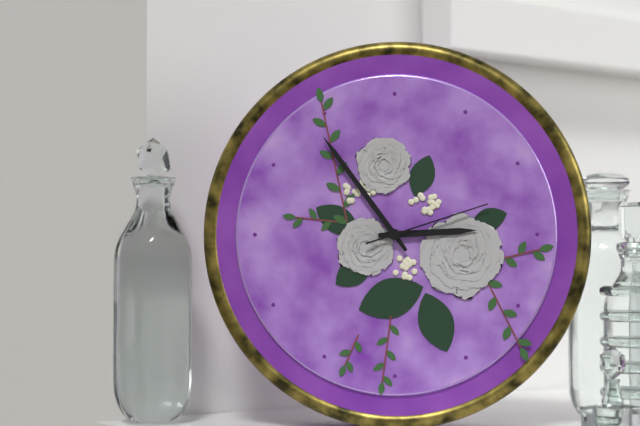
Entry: 2:54:12
